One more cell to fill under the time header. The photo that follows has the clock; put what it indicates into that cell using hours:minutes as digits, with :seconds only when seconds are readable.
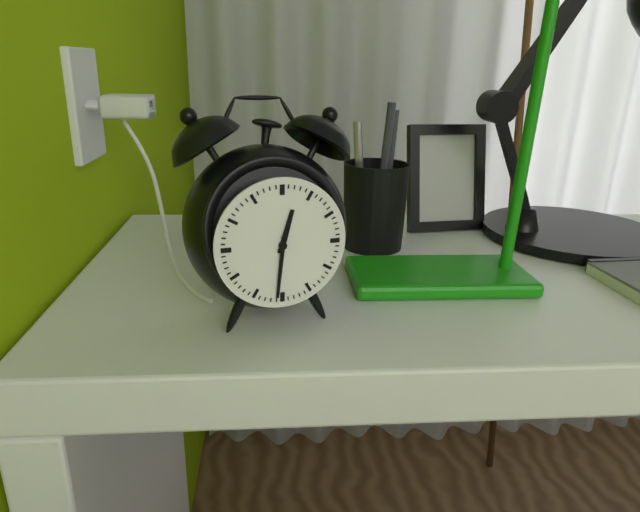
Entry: 12:31
